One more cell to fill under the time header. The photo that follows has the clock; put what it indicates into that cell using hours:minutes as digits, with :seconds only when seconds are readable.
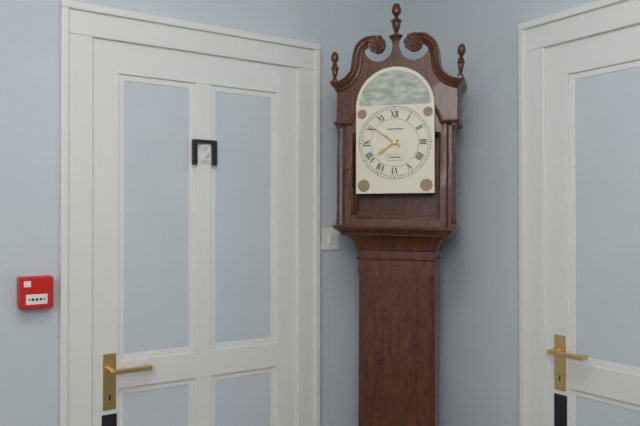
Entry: 7:51
